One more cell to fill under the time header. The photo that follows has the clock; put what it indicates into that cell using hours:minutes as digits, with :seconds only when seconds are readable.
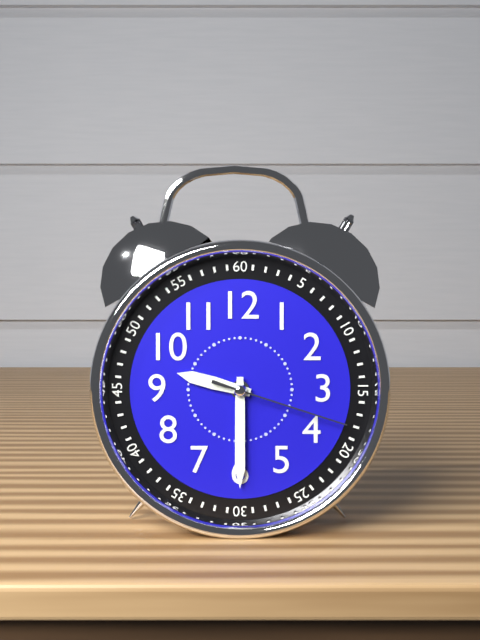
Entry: 9:30:18
